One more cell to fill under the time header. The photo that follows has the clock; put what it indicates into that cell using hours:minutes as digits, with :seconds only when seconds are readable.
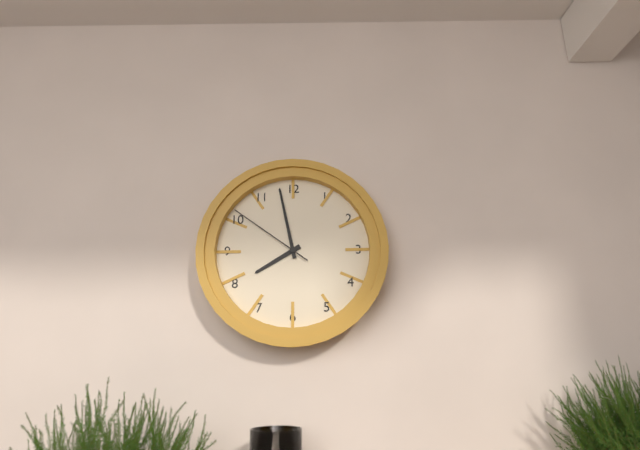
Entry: 7:58:51
